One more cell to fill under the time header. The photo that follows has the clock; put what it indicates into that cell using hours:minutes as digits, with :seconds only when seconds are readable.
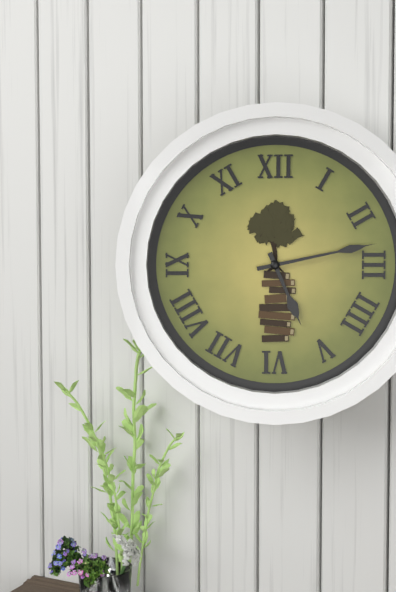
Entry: 5:13
